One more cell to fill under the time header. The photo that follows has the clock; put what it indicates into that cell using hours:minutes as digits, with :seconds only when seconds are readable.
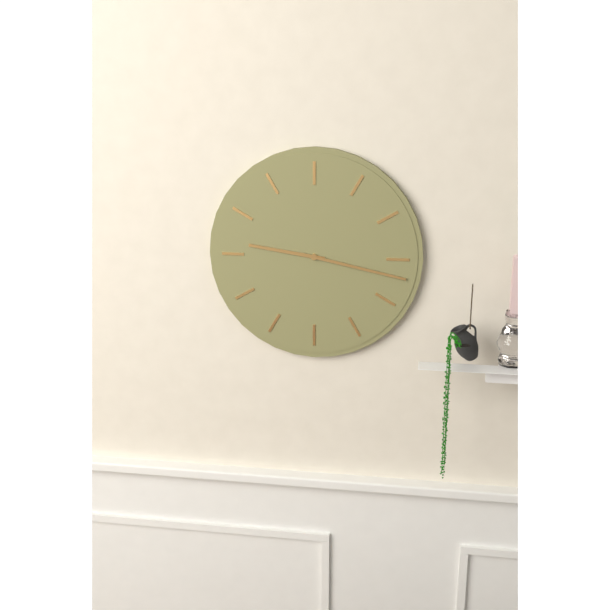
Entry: 9:17
